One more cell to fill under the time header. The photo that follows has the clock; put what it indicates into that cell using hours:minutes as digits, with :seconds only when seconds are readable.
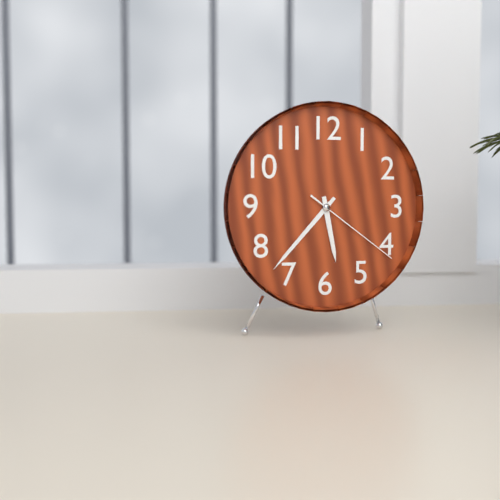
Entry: 5:37:21
